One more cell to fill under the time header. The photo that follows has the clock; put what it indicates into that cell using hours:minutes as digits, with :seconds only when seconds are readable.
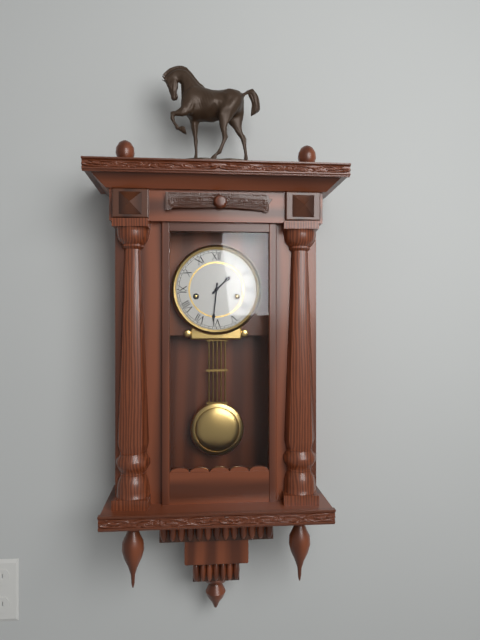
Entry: 1:31
